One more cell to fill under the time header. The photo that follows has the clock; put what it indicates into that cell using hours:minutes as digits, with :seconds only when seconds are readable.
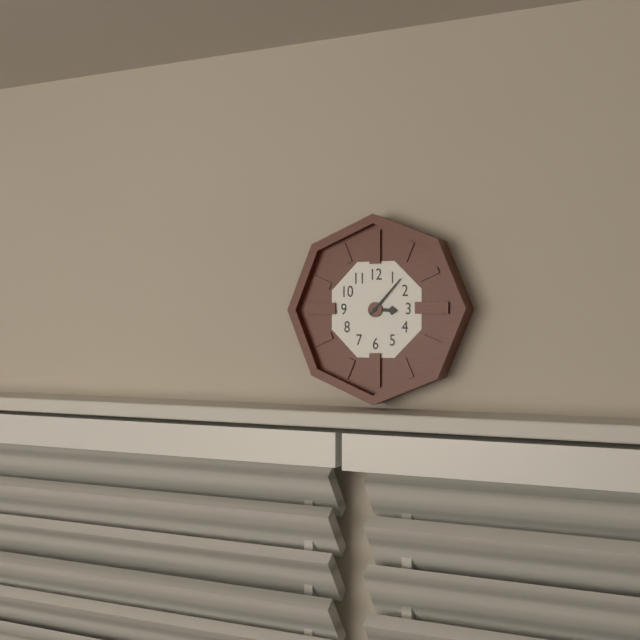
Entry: 3:07
